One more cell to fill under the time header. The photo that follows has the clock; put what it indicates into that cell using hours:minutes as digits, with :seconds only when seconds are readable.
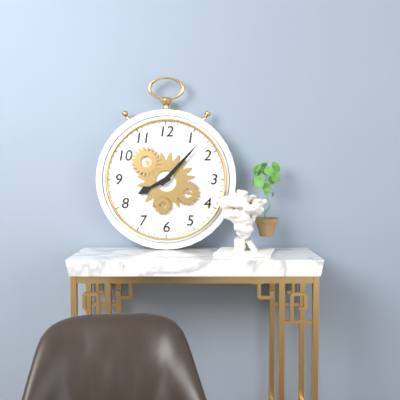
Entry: 8:07
